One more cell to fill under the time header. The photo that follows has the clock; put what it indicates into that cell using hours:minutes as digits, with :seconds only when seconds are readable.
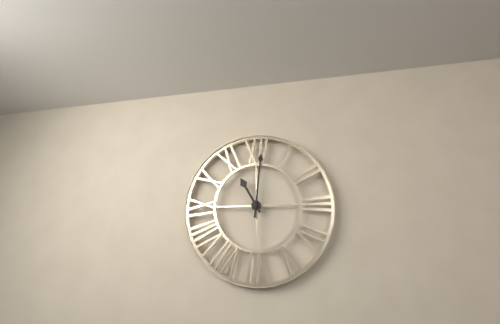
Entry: 11:01
